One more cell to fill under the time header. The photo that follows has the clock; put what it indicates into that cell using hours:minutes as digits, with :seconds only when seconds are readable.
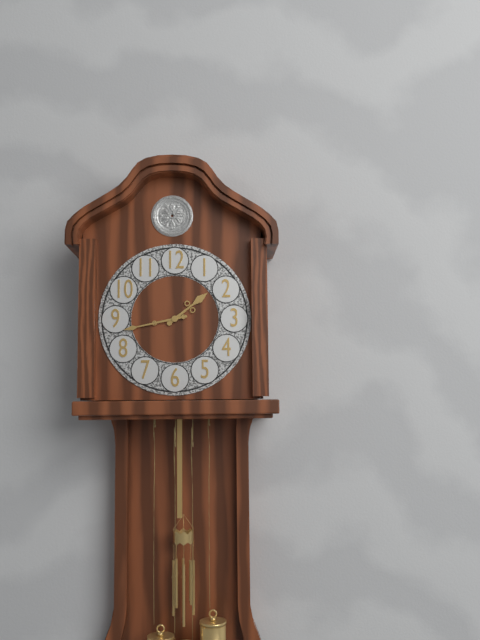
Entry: 1:43
